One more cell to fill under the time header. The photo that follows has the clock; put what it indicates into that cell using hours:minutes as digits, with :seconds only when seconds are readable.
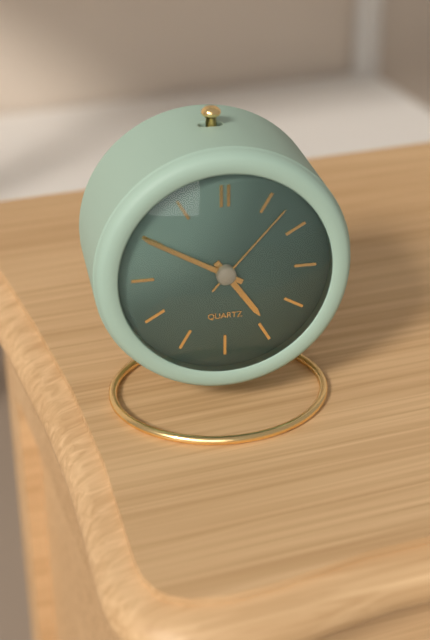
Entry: 4:50:07
